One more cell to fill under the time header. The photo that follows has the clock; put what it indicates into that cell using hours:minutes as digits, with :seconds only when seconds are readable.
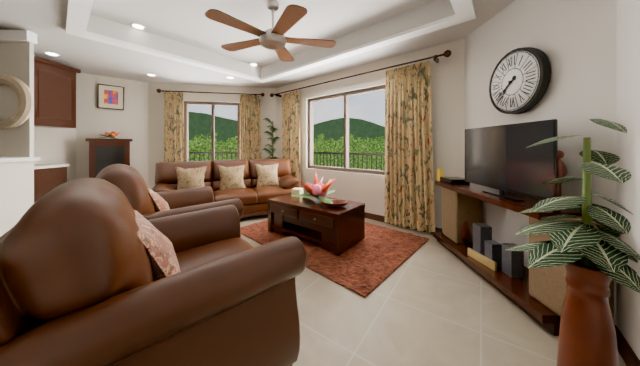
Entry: 7:39
